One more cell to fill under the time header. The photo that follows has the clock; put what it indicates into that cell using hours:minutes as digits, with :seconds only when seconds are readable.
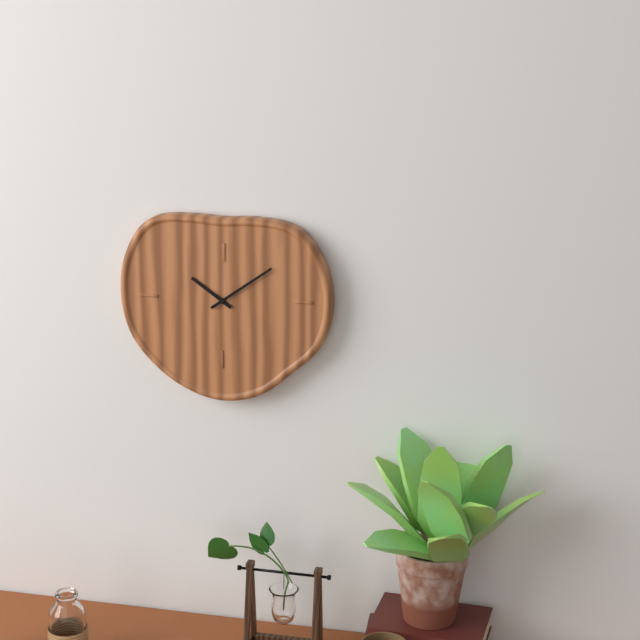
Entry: 10:09
